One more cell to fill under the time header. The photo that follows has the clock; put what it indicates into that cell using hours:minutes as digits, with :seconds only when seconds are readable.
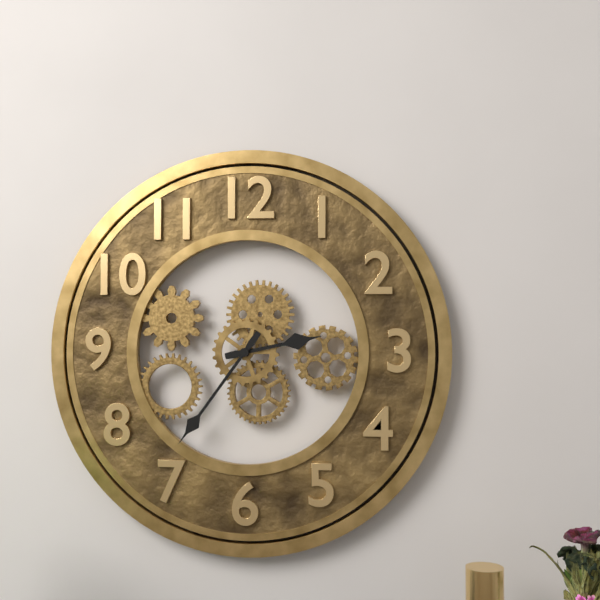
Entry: 2:36
